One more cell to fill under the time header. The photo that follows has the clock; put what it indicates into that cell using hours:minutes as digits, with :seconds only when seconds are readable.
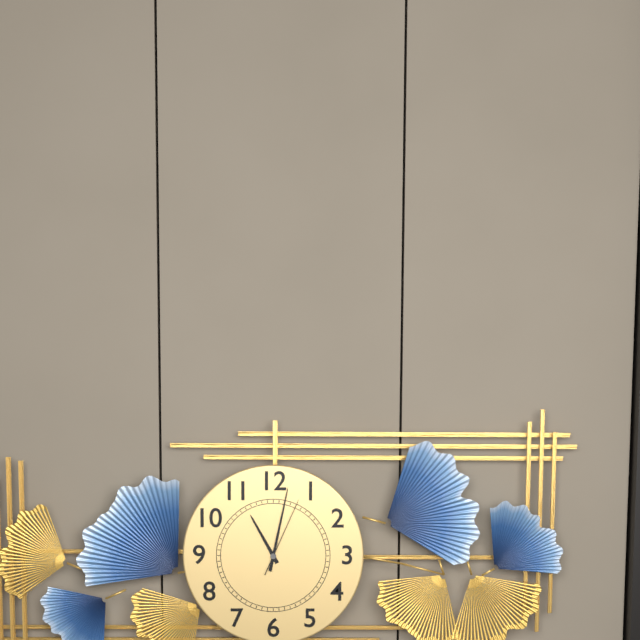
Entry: 11:02:04
